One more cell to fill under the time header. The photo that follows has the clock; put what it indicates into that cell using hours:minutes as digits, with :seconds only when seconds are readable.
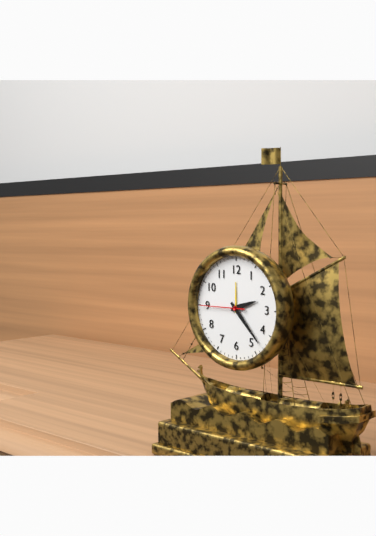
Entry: 2:23
